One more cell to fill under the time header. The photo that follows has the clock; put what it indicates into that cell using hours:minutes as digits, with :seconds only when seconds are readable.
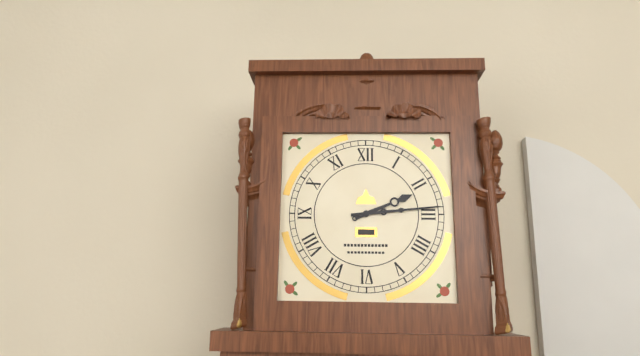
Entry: 2:14
